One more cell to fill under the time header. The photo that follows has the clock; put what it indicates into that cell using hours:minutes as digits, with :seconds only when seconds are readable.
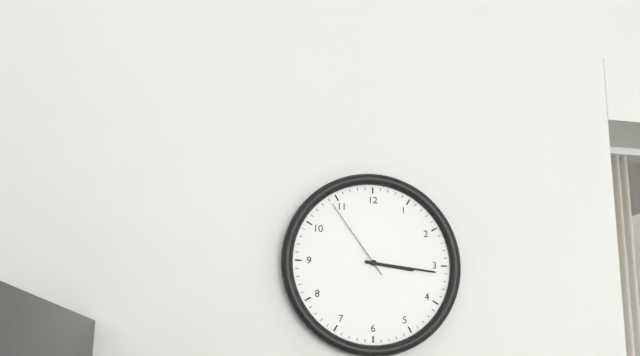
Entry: 3:16:54
